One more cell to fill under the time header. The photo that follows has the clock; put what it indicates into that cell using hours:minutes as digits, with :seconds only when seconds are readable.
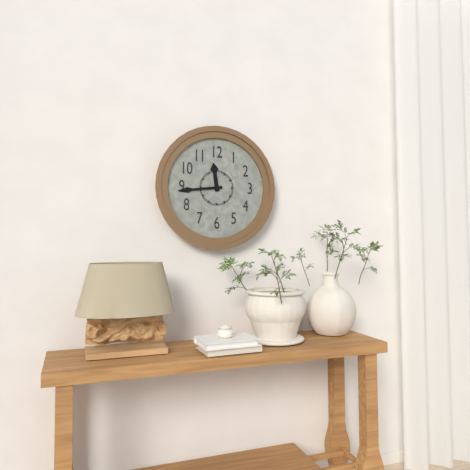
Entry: 11:44
